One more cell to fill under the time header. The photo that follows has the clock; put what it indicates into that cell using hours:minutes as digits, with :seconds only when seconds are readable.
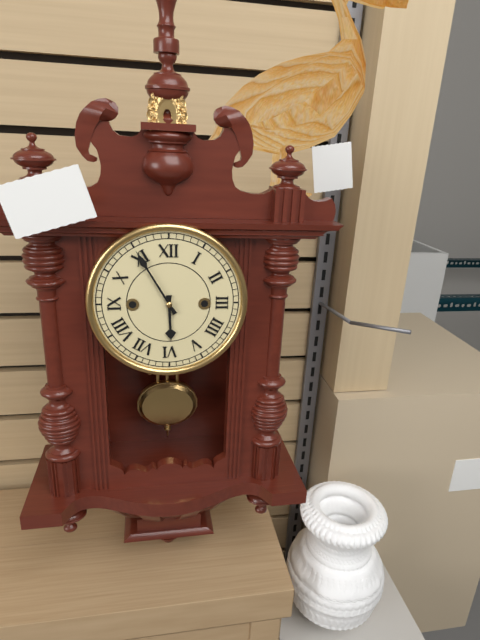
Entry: 5:55
